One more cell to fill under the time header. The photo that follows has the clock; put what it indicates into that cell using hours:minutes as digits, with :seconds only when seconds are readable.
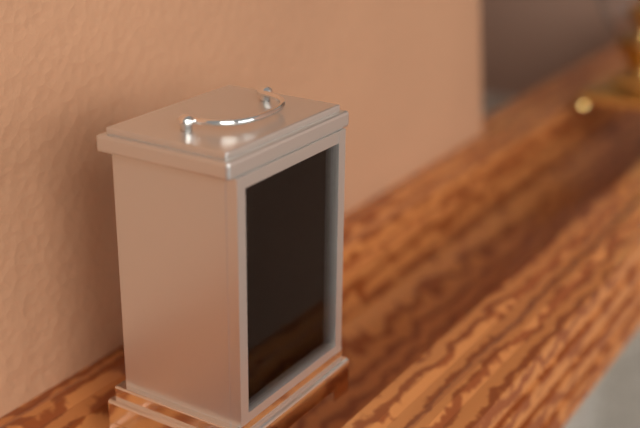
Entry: 10:33
